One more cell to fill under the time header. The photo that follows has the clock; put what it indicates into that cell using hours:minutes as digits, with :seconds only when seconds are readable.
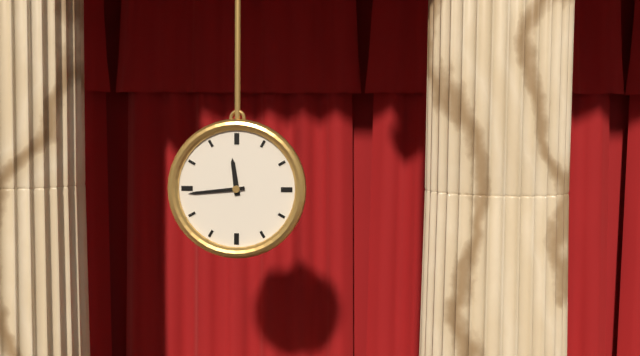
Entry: 11:44
